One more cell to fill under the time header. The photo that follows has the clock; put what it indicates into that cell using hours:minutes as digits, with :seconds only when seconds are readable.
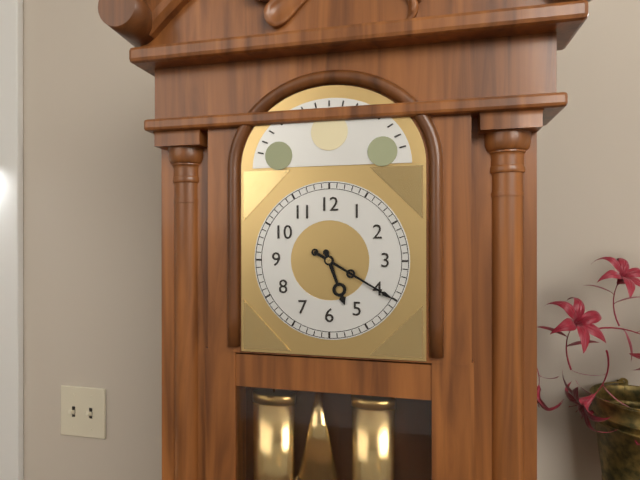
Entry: 5:20
